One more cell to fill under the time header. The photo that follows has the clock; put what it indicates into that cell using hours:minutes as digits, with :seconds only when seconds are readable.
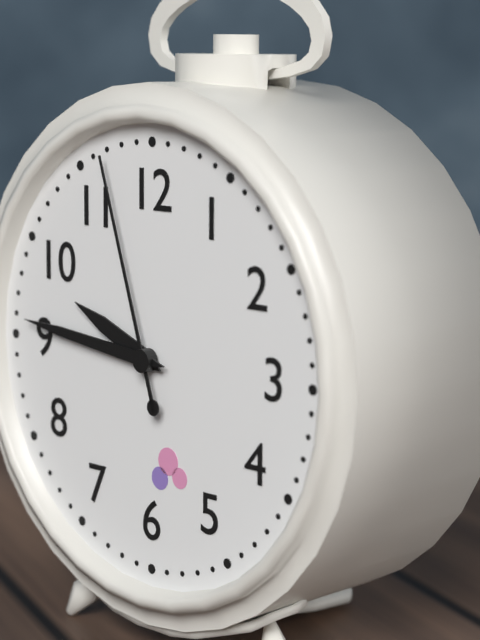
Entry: 9:46:57
